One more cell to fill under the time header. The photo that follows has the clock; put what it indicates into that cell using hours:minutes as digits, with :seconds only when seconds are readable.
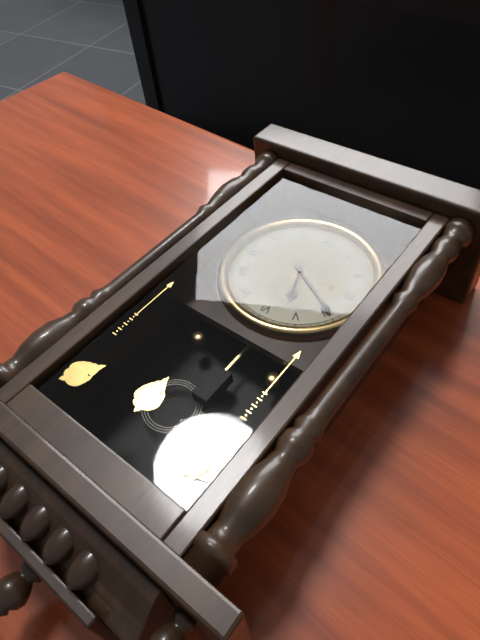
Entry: 5:20
